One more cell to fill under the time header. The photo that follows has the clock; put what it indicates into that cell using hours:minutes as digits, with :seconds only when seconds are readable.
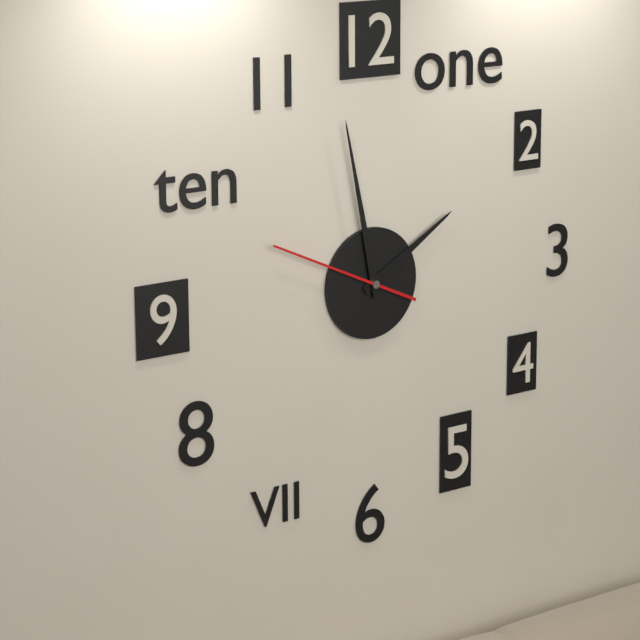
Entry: 1:58:49
